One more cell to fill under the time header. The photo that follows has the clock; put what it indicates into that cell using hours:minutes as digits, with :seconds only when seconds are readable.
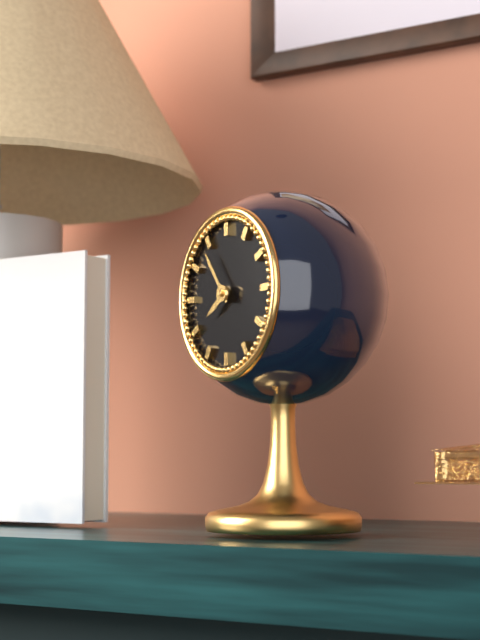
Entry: 7:54
